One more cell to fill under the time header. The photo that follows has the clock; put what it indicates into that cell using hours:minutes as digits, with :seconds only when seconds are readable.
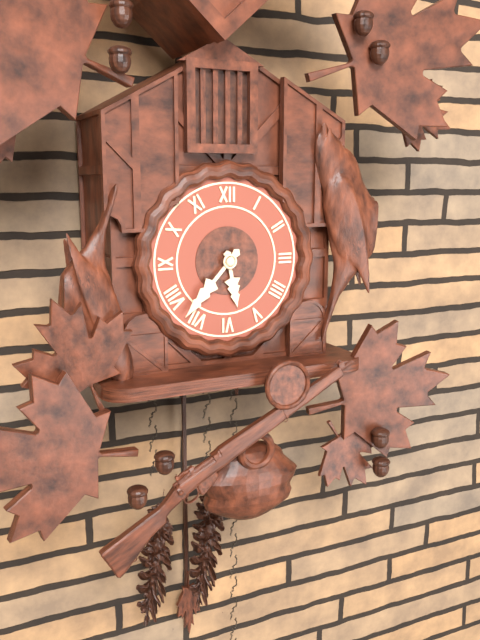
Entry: 5:37
